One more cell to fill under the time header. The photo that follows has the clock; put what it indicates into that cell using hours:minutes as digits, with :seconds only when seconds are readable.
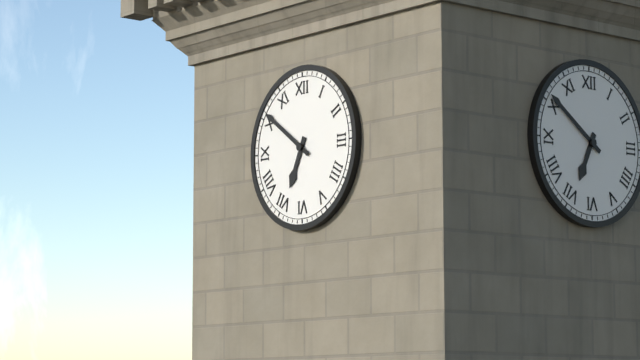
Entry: 6:51
